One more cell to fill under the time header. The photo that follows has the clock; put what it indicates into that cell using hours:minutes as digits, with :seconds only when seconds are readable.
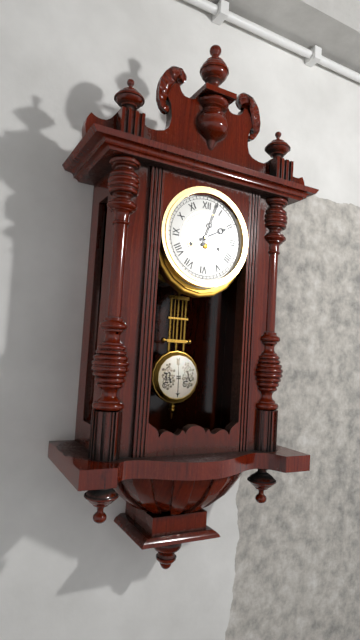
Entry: 2:03
